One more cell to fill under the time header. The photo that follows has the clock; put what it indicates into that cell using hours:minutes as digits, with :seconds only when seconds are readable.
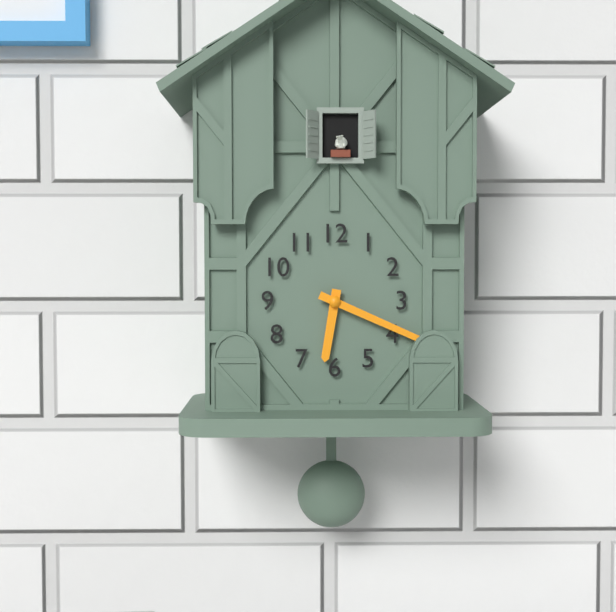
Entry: 6:19
